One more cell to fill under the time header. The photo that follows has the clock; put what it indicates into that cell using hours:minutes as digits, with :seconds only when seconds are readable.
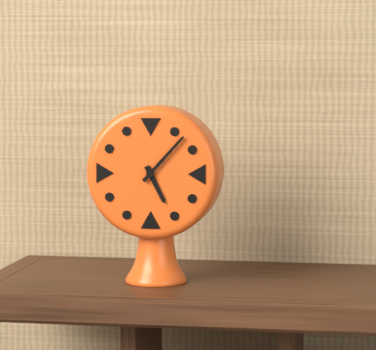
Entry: 5:07
